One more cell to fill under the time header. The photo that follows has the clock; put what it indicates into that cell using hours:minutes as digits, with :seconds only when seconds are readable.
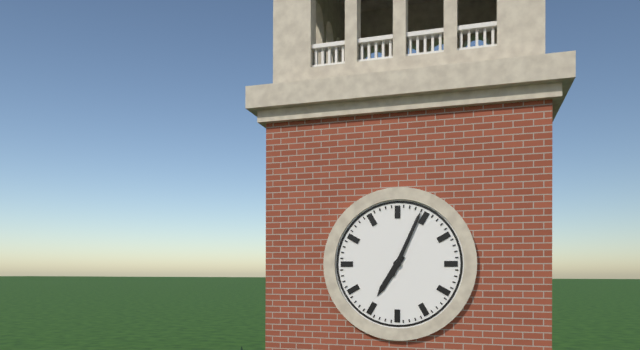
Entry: 7:04
